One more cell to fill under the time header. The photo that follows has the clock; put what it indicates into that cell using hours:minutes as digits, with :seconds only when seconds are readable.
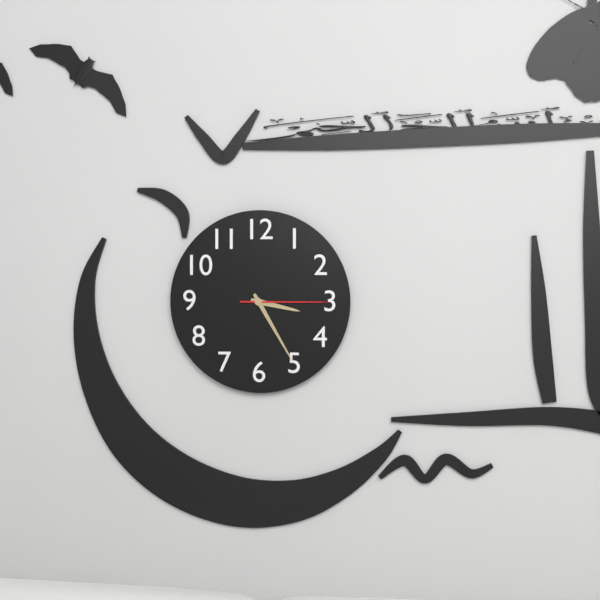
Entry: 3:25:15
